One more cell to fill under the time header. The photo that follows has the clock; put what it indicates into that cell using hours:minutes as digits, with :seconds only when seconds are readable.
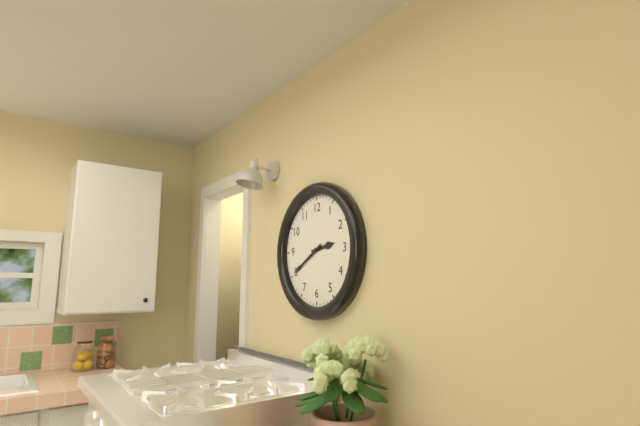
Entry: 2:40
